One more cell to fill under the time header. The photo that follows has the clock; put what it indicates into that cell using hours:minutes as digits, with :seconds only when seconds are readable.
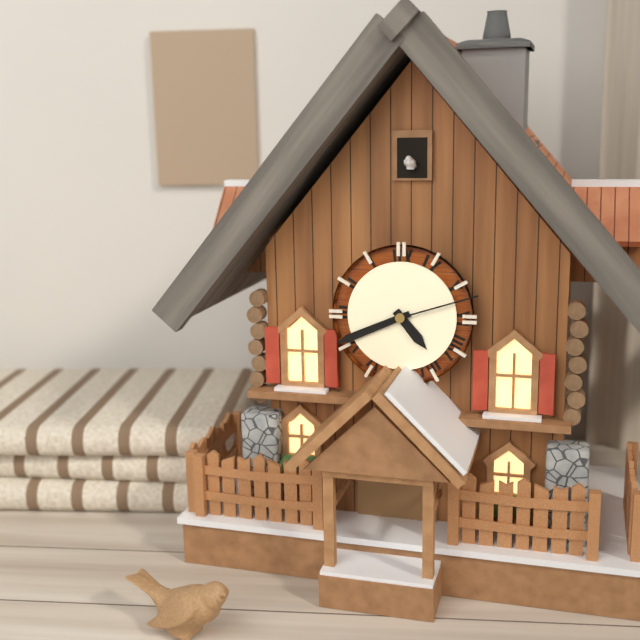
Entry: 4:41:12
